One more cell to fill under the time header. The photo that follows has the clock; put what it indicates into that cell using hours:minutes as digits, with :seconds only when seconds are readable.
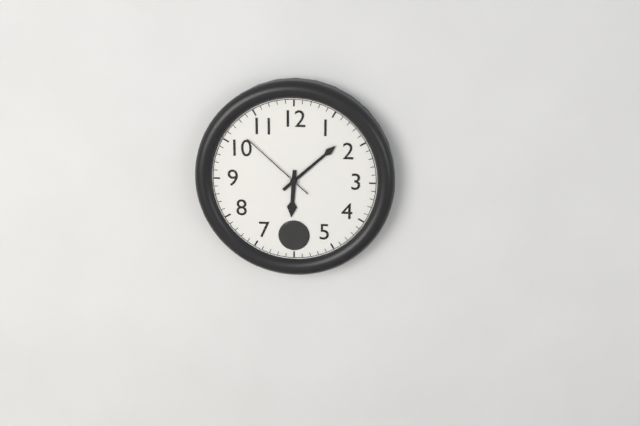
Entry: 6:08:52
